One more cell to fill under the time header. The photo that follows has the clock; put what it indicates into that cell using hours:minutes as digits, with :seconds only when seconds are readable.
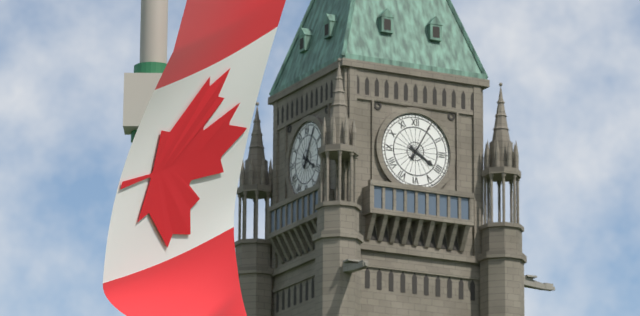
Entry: 4:05
